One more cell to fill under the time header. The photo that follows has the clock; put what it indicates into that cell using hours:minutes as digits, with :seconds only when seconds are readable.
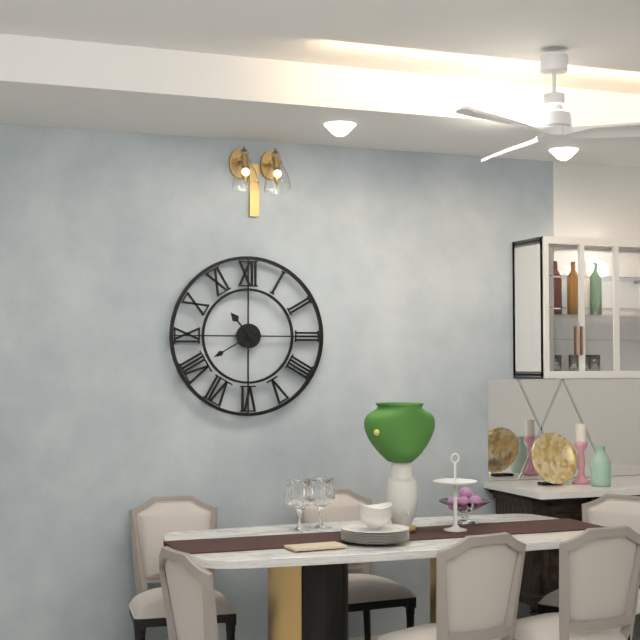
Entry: 10:40
